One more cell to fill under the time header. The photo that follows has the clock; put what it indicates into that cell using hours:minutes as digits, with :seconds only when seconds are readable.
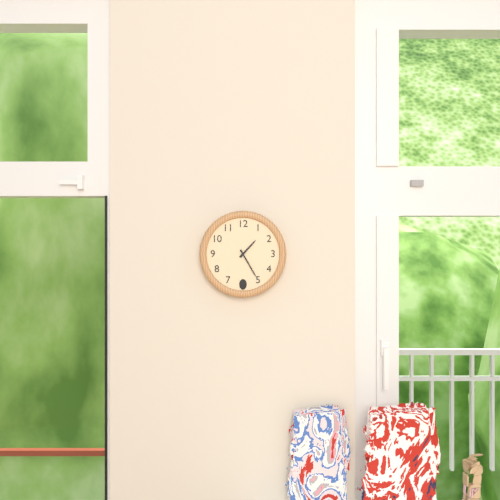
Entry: 1:25
